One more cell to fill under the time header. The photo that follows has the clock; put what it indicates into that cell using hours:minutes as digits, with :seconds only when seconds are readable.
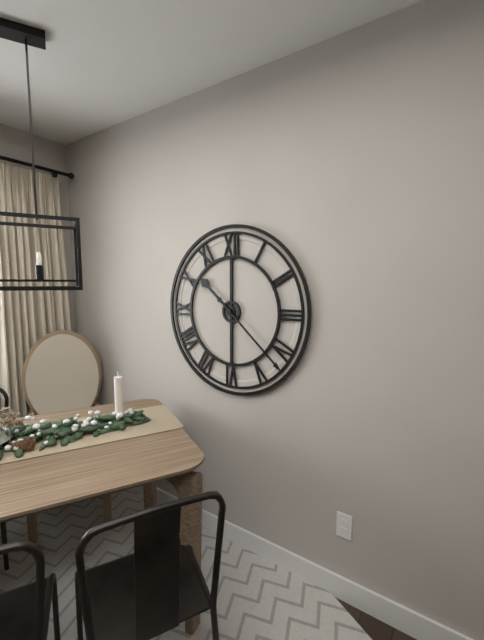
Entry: 10:22
